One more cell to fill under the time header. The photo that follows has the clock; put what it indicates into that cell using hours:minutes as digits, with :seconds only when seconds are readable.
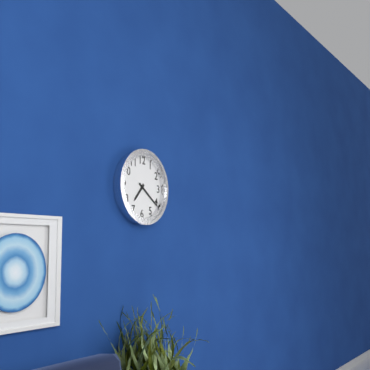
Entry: 7:21
